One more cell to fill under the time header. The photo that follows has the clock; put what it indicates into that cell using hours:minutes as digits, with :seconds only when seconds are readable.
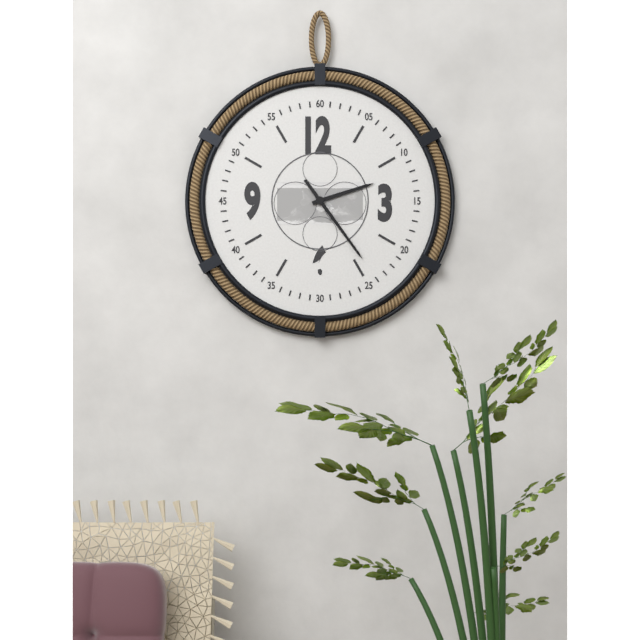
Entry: 2:24
